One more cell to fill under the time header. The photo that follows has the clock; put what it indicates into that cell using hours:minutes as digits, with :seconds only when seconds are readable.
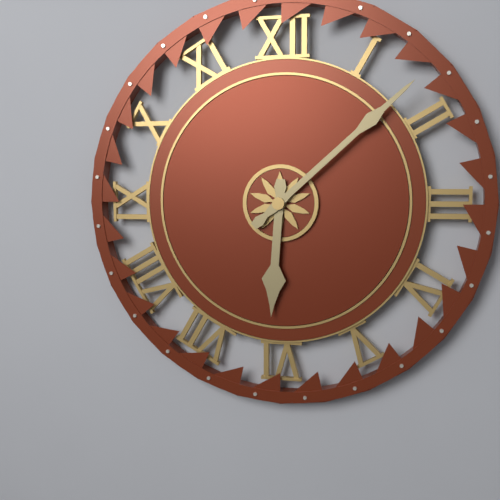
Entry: 6:08
